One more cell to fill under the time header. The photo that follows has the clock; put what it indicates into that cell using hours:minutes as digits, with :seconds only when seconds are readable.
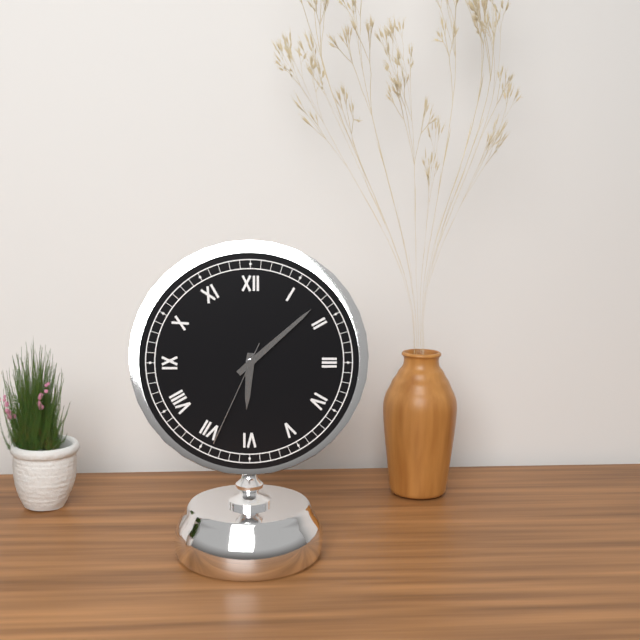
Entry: 6:08:34
